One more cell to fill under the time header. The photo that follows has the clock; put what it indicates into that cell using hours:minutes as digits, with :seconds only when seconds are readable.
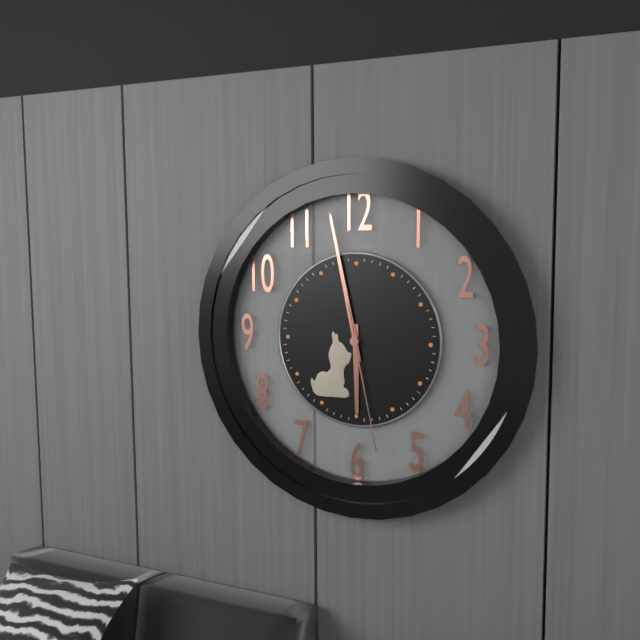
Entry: 5:58:28
